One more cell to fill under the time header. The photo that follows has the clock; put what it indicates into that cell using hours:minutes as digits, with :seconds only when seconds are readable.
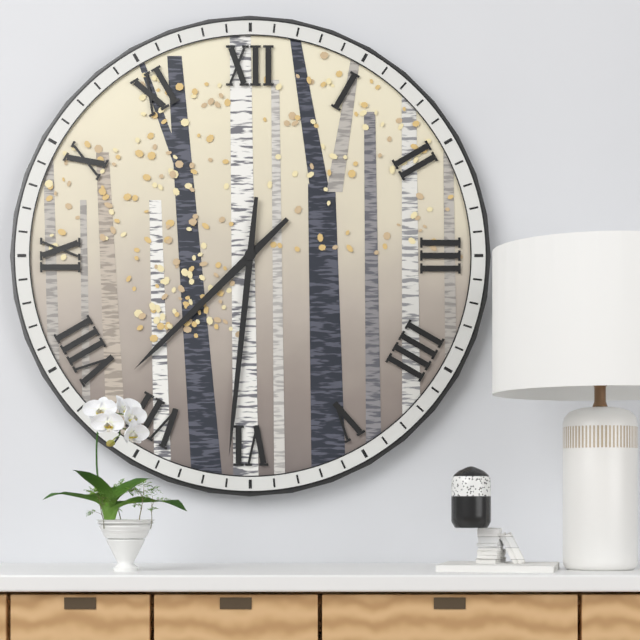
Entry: 7:31
